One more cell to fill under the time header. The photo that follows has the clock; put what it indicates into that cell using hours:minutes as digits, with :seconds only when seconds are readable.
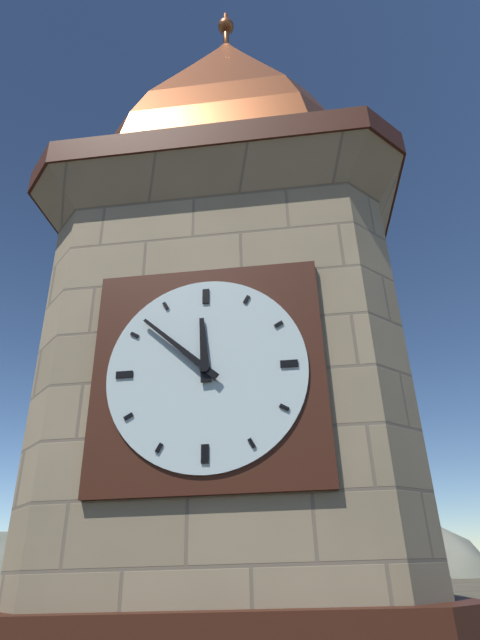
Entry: 11:52
